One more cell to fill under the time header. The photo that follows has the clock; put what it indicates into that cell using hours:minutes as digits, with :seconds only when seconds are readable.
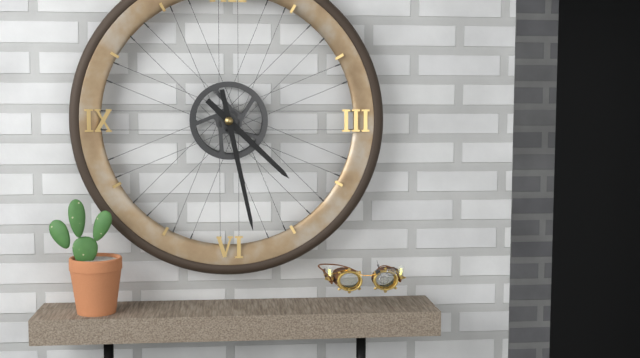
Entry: 4:28
